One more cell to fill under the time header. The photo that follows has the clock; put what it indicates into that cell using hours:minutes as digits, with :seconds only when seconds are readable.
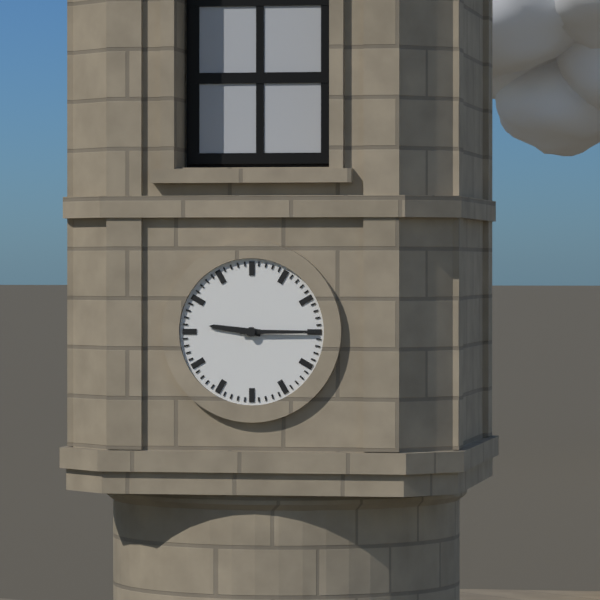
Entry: 9:15
